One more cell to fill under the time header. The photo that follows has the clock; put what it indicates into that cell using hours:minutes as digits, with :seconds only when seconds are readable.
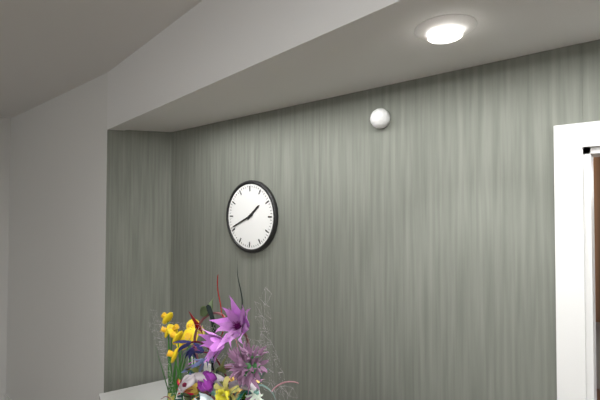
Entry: 1:41
